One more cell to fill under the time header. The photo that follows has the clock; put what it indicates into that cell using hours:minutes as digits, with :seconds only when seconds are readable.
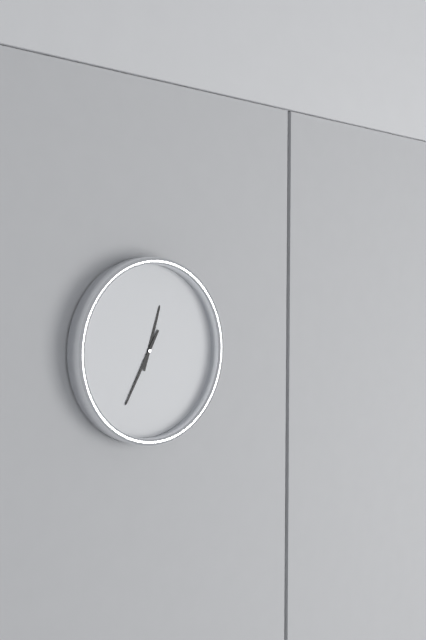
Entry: 12:35
